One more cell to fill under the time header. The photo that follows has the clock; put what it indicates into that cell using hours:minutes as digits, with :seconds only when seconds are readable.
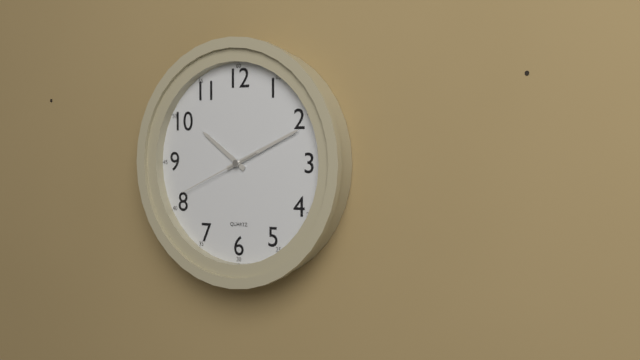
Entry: 10:11:41
